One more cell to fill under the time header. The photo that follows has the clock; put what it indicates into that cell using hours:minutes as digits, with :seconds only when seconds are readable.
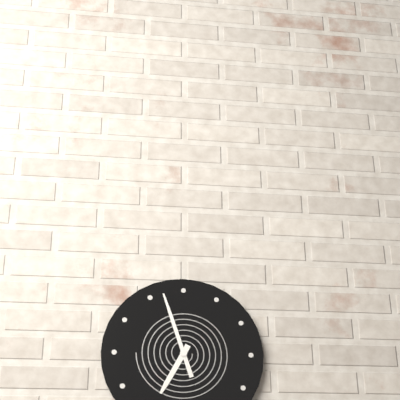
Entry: 6:57
